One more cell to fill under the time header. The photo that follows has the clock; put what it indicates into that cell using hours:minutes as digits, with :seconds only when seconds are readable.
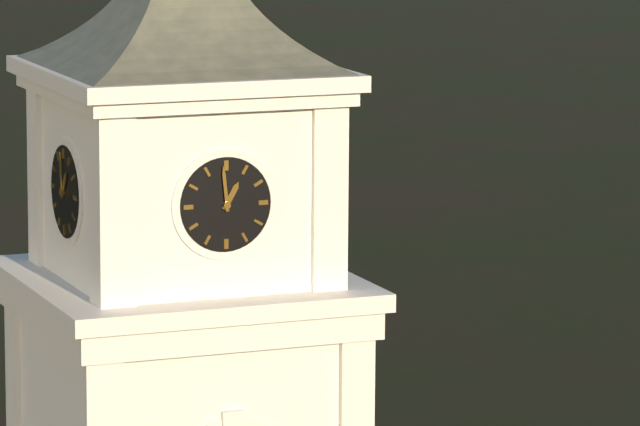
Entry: 12:59
